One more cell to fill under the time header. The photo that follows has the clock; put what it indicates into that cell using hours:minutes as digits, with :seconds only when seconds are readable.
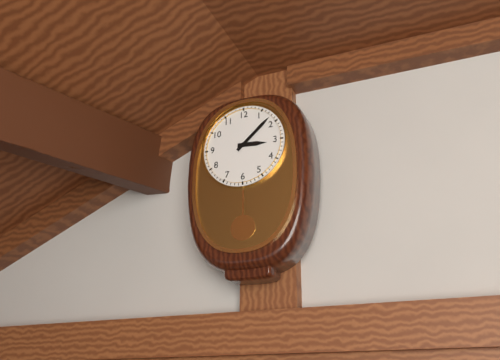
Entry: 3:08
